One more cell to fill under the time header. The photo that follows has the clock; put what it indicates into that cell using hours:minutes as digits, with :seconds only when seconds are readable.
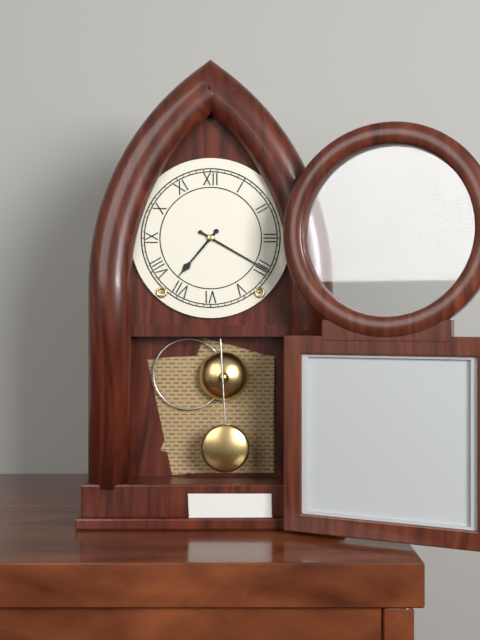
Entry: 7:20
